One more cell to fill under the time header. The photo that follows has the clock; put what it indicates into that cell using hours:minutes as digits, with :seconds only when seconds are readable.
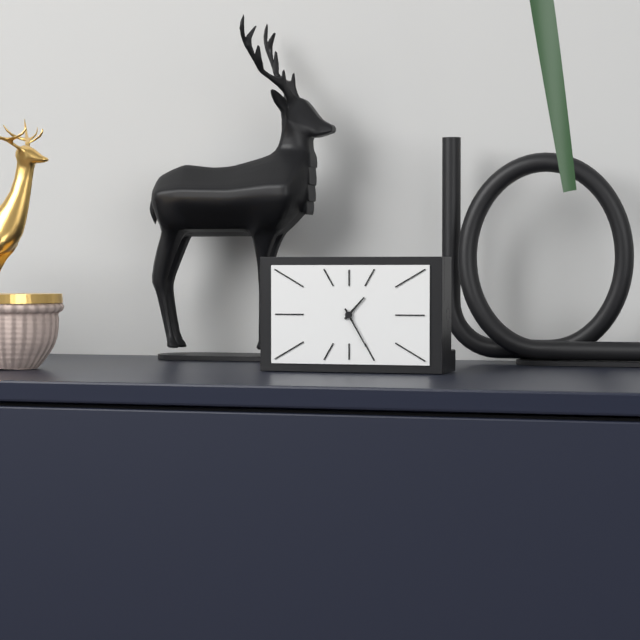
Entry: 1:25
